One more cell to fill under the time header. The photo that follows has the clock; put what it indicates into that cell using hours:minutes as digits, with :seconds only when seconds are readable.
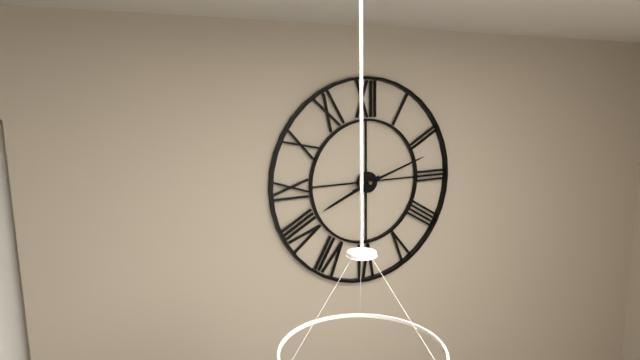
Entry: 8:12
